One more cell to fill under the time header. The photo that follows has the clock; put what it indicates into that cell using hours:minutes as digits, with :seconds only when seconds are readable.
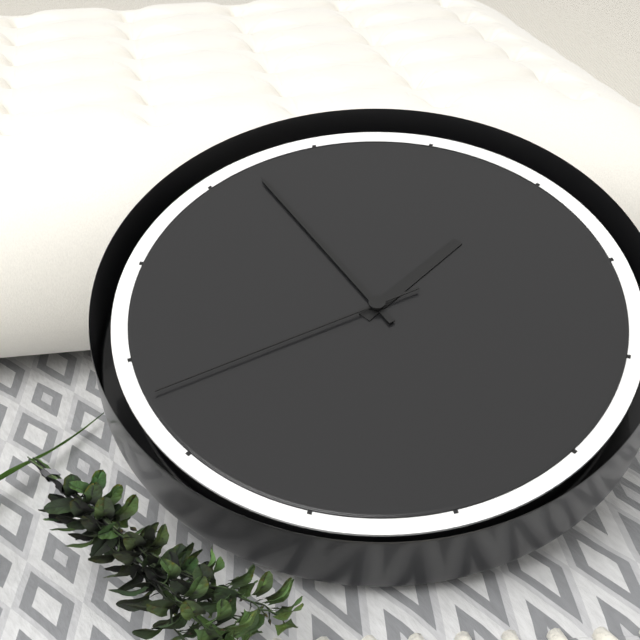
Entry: 1:57:43
